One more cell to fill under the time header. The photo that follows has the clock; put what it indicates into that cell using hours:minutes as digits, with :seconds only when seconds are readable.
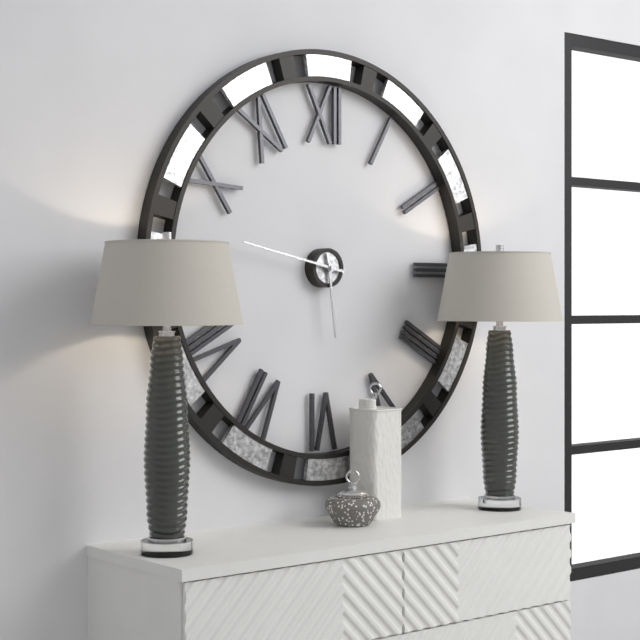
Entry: 5:47
